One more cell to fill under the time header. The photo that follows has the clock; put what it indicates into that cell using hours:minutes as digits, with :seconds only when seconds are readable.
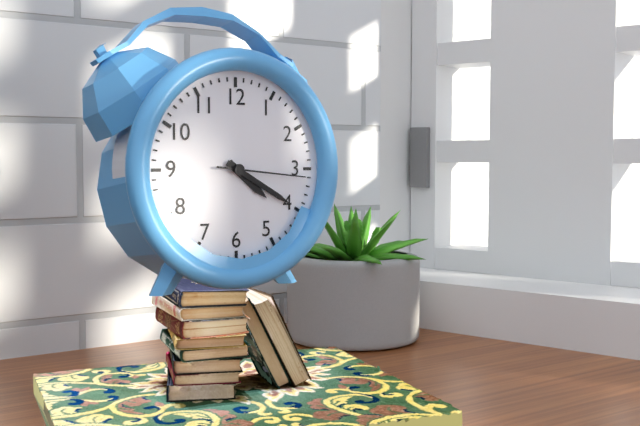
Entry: 4:20:16
